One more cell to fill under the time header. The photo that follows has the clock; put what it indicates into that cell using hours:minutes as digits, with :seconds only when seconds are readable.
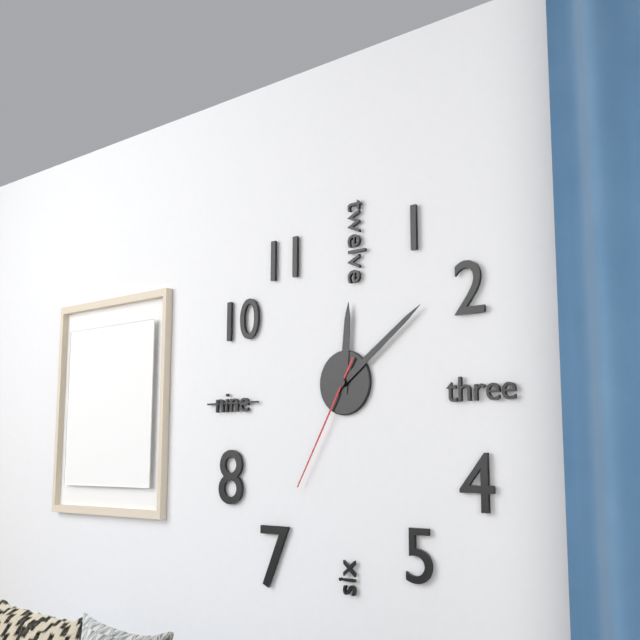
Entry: 12:09:35
